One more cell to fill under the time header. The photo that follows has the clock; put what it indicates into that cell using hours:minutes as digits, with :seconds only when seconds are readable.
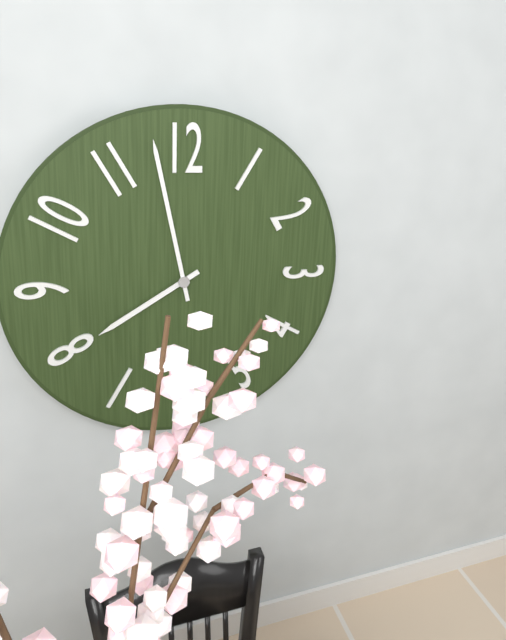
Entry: 7:58
